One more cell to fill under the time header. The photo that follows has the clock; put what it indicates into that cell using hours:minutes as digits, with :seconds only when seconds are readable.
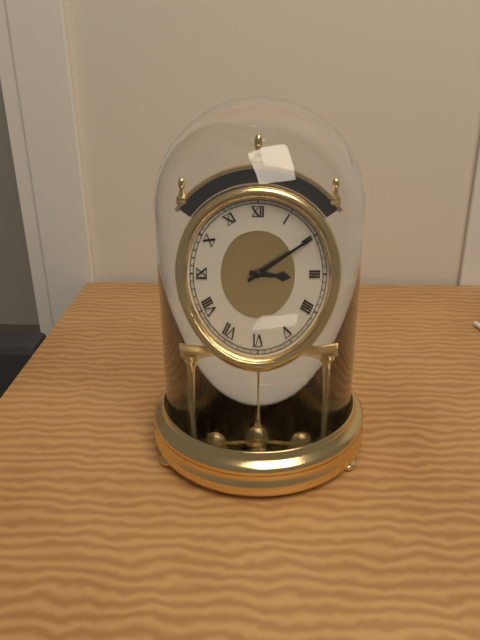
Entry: 3:10
